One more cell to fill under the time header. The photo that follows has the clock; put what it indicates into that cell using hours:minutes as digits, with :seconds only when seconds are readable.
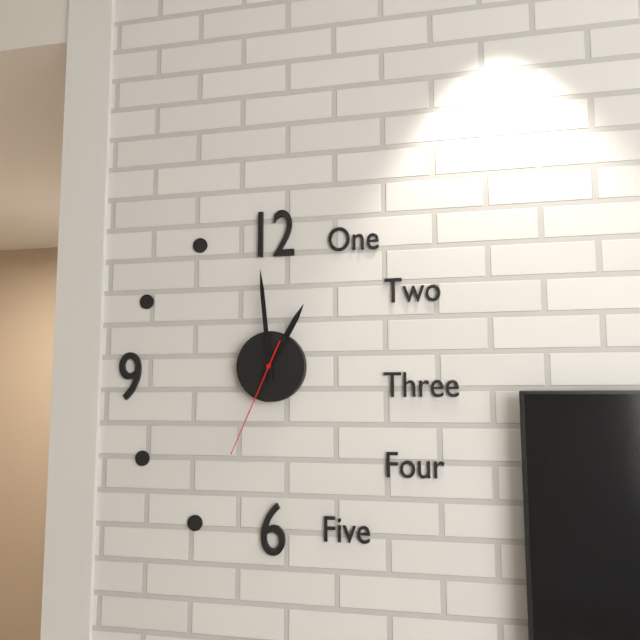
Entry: 12:59:34
